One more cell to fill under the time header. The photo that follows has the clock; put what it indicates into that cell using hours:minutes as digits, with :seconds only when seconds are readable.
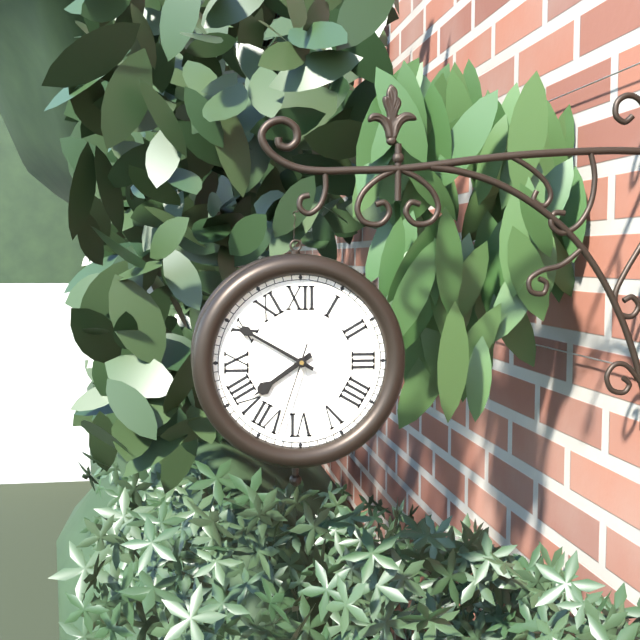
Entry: 7:50:33
